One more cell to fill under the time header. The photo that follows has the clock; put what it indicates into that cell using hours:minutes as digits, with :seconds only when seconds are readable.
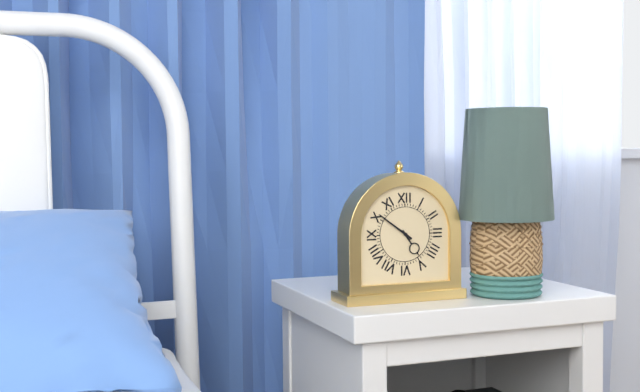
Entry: 4:51
